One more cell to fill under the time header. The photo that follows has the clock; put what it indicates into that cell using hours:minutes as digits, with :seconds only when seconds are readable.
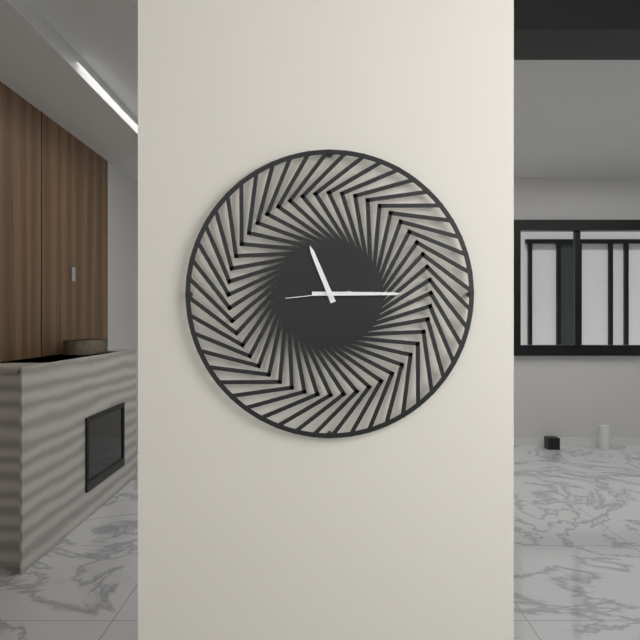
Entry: 11:15:44
